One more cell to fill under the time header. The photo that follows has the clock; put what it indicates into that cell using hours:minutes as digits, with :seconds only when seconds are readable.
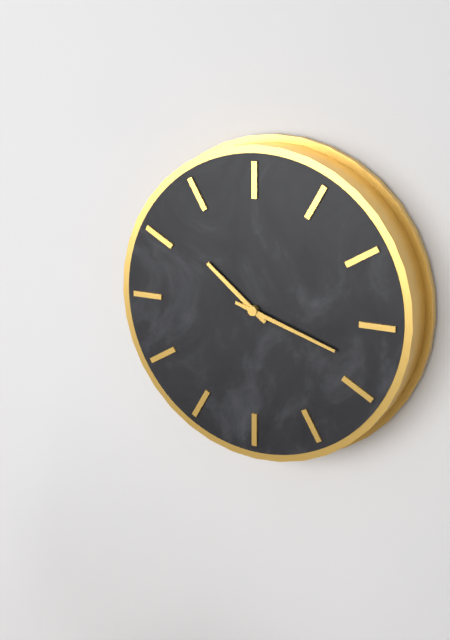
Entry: 10:18
